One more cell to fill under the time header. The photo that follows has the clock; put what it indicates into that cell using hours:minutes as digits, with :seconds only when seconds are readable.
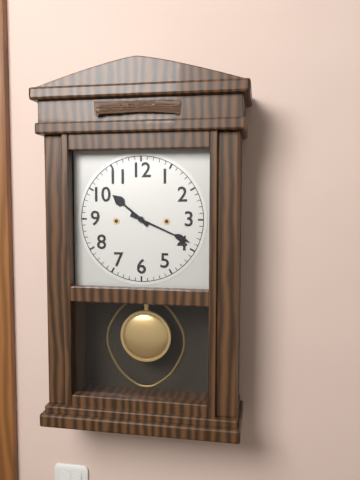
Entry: 10:19
